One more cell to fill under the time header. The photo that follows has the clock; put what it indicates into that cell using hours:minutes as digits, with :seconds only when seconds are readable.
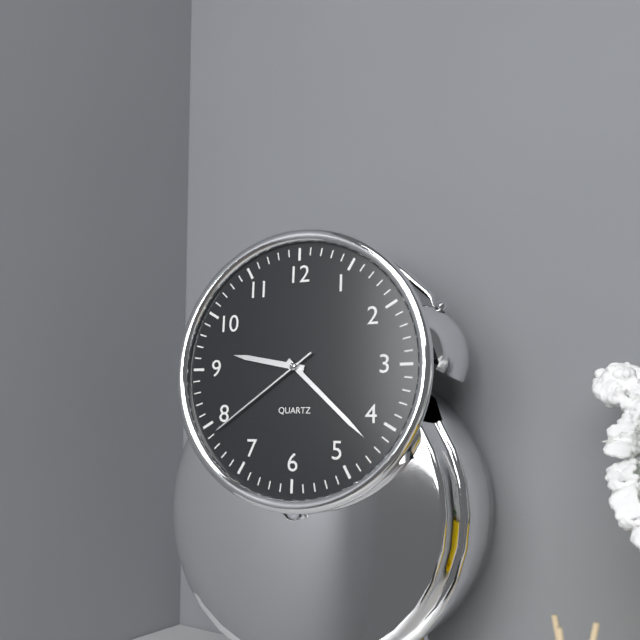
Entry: 9:22:39
